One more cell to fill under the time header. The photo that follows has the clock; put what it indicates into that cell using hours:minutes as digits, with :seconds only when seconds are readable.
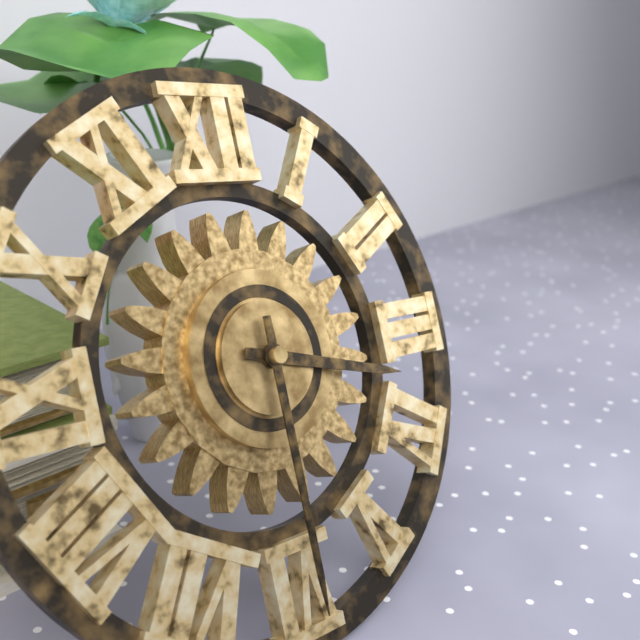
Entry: 3:30
